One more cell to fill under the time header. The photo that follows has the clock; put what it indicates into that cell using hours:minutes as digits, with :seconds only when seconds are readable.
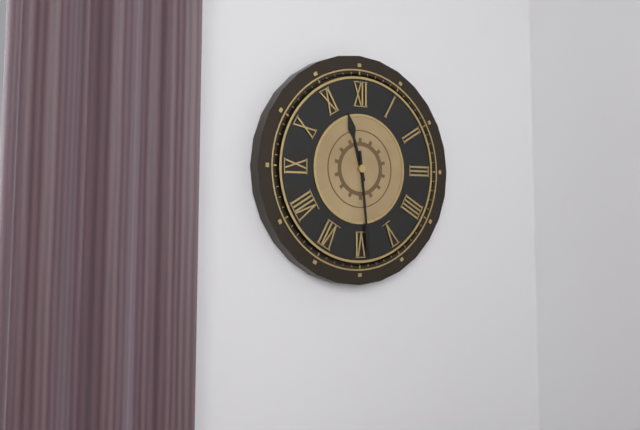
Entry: 11:29
